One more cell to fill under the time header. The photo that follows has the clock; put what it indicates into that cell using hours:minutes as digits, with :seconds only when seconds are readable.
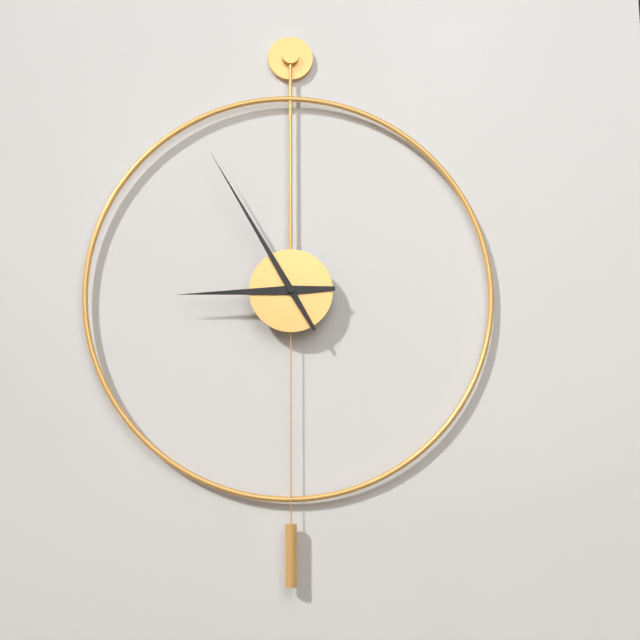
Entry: 8:55
